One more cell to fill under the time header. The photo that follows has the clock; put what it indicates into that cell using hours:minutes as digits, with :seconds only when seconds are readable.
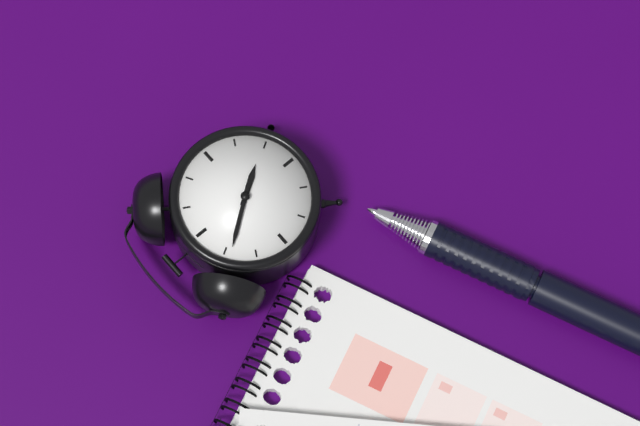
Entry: 4:54
